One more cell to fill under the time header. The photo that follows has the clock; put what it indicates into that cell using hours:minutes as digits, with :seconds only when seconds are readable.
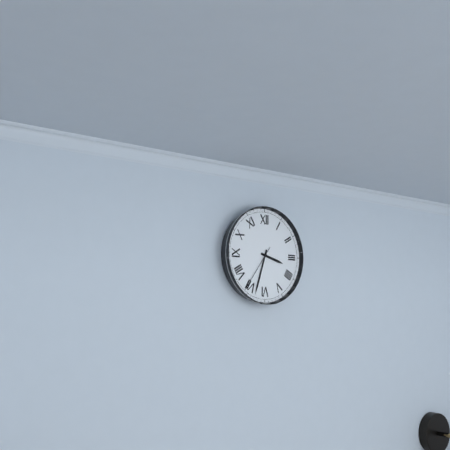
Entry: 3:33
